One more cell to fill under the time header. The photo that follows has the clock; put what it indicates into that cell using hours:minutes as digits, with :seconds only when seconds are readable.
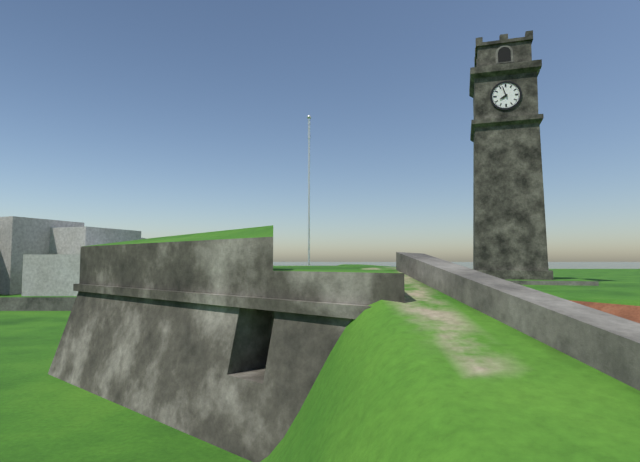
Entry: 7:57
